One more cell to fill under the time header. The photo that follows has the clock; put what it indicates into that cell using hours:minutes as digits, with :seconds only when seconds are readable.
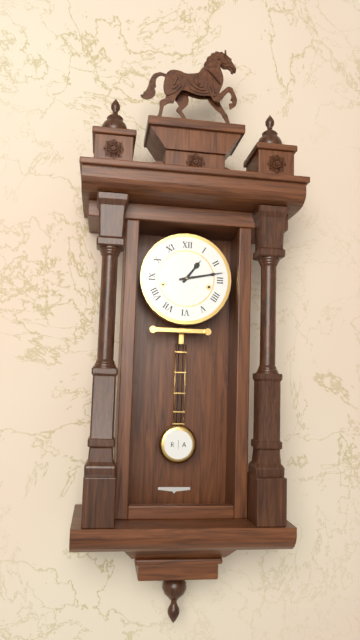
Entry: 1:13
